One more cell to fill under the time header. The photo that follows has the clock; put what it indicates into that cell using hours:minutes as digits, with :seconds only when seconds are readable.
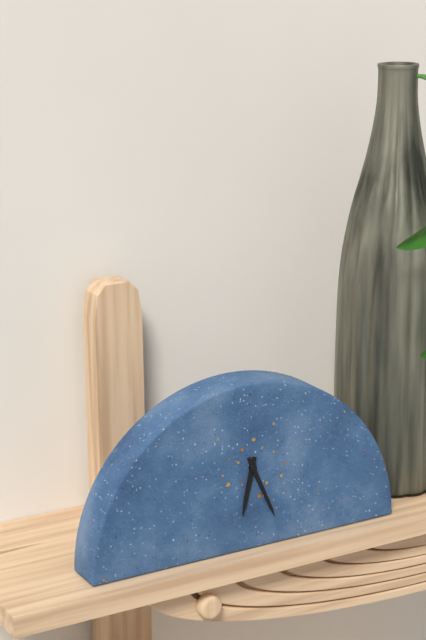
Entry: 6:26
